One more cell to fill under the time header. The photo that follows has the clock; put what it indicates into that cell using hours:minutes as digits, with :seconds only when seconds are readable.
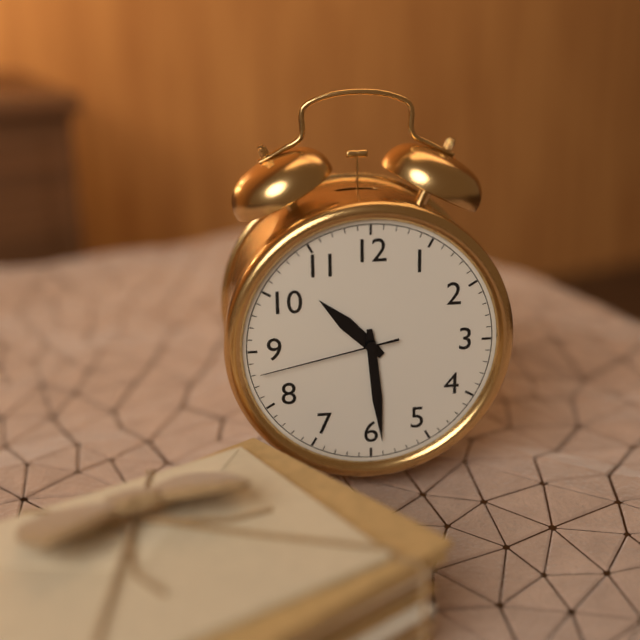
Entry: 10:29:43
